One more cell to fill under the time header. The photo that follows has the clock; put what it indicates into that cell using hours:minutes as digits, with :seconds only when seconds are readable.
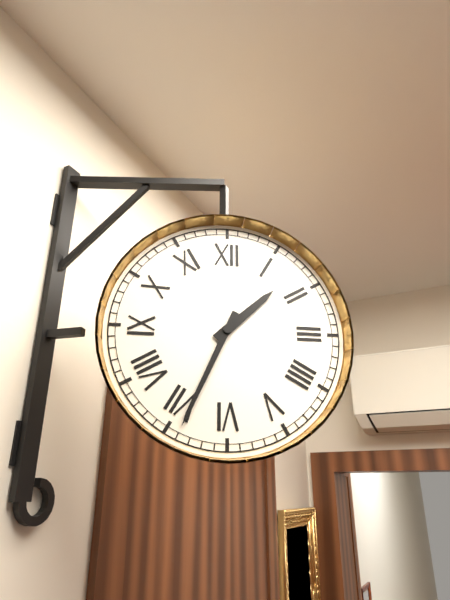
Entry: 1:34
